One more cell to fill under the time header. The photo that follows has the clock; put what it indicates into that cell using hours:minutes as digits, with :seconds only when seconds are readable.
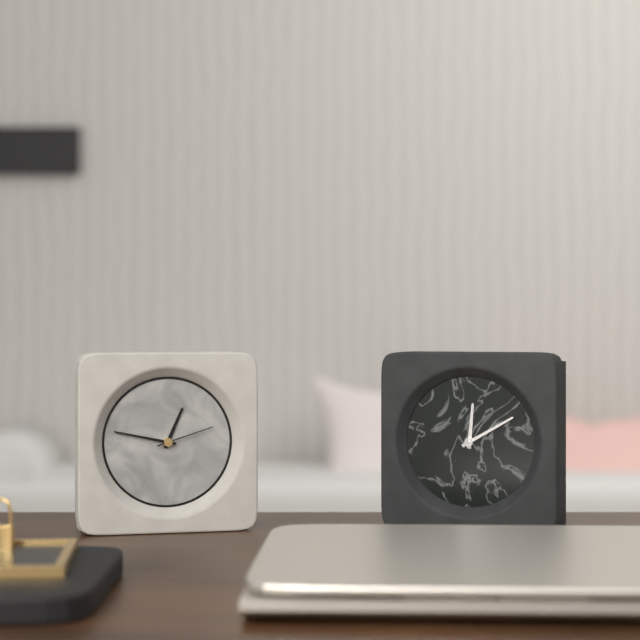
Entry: 12:47:12
